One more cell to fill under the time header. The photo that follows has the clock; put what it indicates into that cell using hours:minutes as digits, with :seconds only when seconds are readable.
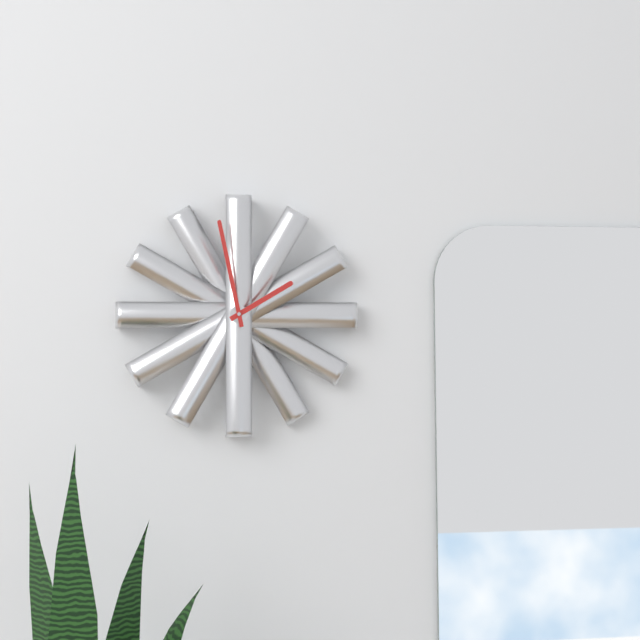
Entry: 1:58
